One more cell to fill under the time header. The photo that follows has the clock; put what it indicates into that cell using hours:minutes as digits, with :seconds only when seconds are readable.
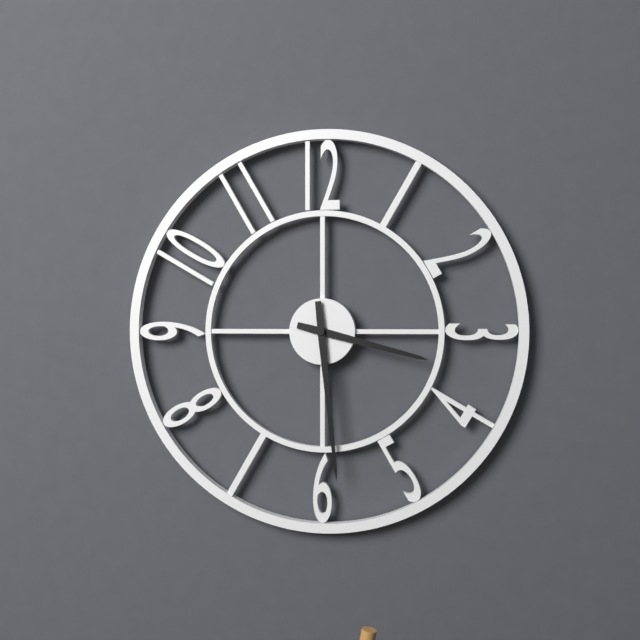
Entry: 3:29
